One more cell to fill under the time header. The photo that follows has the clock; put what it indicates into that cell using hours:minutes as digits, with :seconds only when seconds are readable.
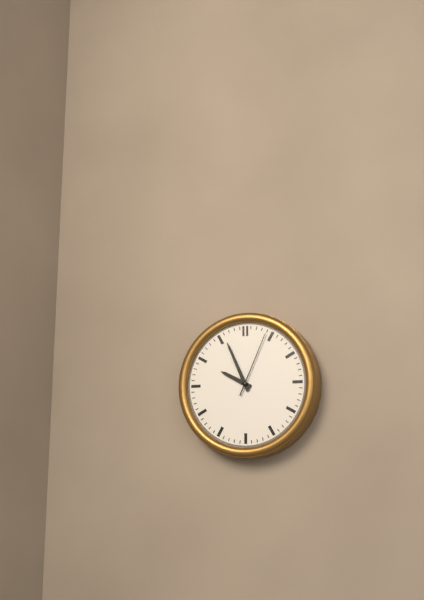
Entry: 9:56:04
